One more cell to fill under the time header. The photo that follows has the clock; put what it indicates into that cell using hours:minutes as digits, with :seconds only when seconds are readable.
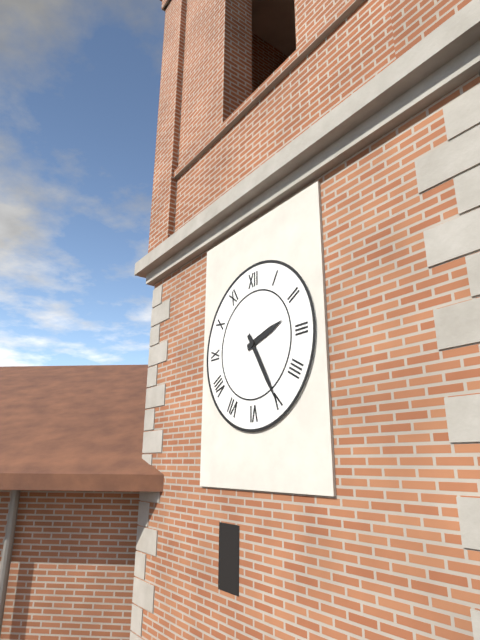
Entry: 2:25
